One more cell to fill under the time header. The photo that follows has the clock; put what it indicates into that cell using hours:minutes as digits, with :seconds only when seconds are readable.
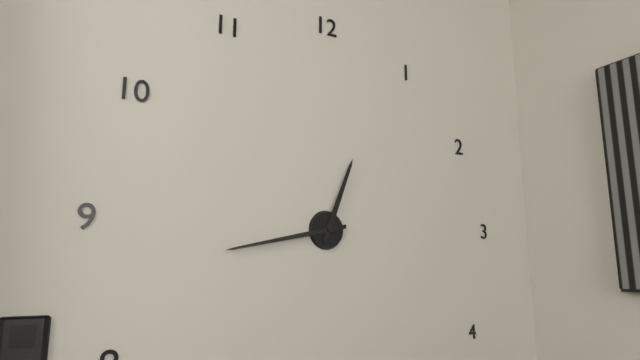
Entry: 12:43
